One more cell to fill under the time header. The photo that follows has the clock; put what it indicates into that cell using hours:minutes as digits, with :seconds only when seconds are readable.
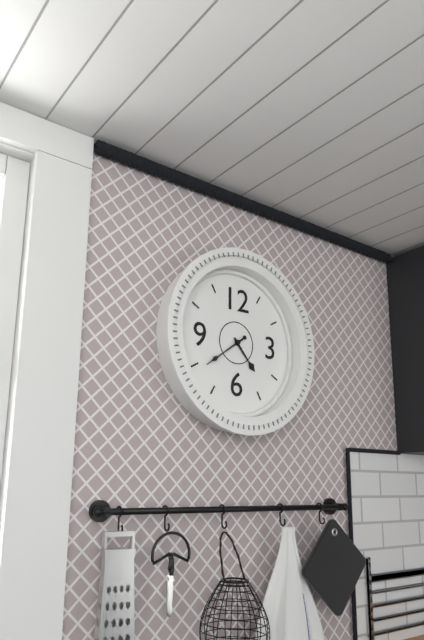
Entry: 4:39
